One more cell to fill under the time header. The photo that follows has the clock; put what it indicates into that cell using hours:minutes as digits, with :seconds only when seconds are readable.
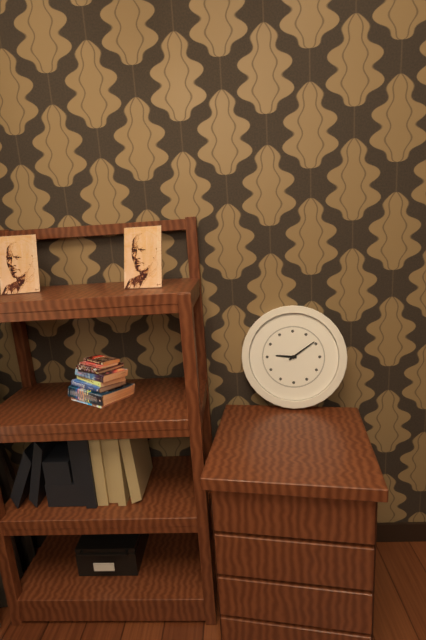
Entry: 9:09
